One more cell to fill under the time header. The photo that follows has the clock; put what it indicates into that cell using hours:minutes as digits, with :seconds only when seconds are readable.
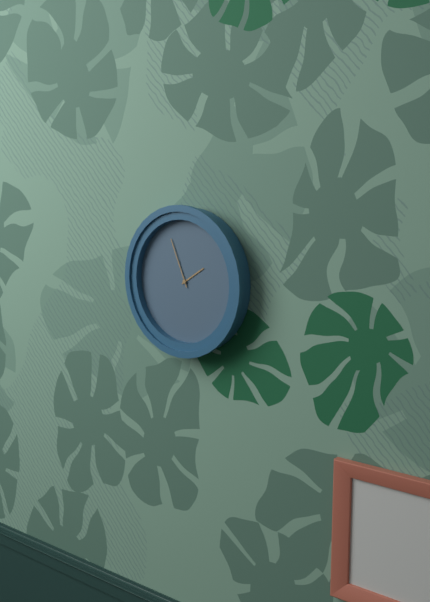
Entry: 1:56
